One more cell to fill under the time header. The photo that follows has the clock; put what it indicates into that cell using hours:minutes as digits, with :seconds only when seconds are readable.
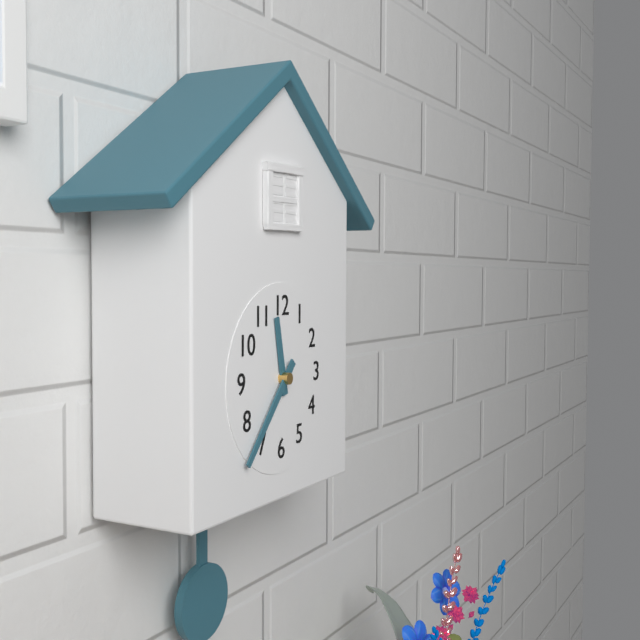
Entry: 11:37
